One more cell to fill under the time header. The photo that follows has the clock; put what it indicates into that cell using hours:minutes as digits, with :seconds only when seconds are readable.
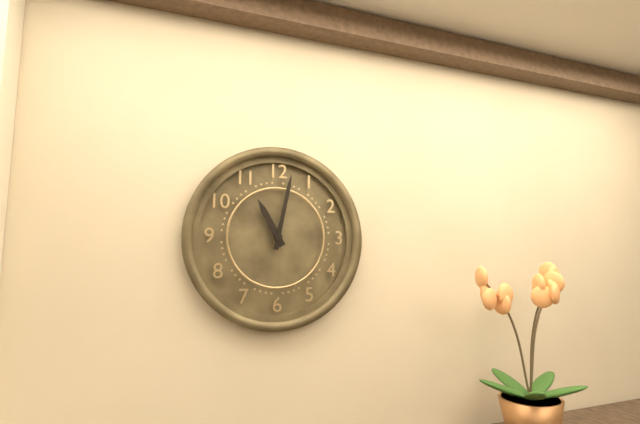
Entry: 11:02
